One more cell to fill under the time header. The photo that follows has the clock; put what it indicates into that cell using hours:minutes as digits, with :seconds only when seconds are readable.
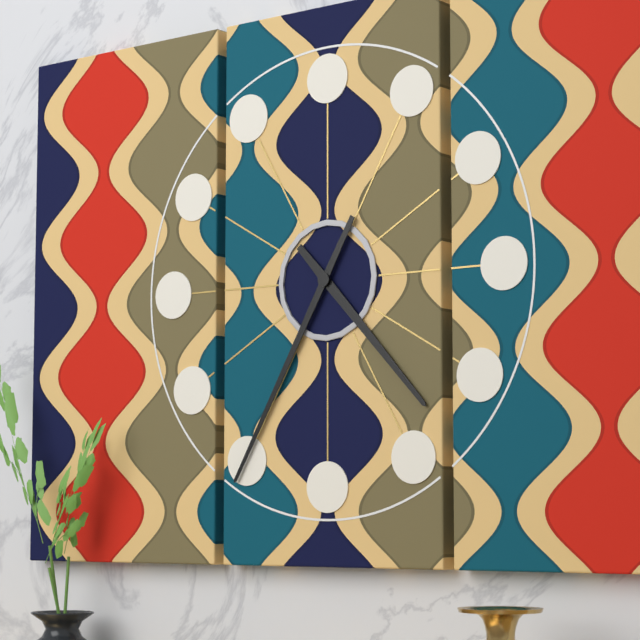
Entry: 4:35
